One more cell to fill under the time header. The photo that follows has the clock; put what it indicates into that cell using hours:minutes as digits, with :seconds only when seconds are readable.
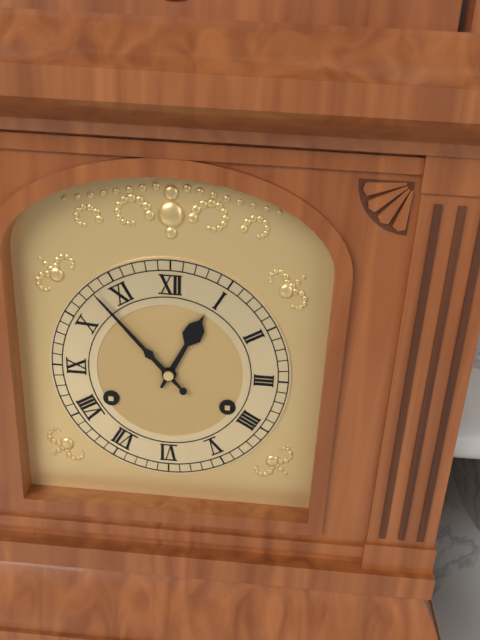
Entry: 12:53
